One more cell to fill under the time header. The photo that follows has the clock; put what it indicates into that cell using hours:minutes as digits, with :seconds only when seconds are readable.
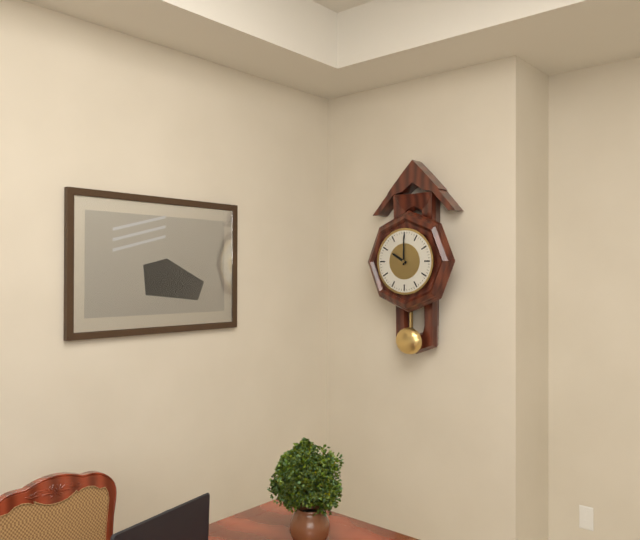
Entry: 10:00
